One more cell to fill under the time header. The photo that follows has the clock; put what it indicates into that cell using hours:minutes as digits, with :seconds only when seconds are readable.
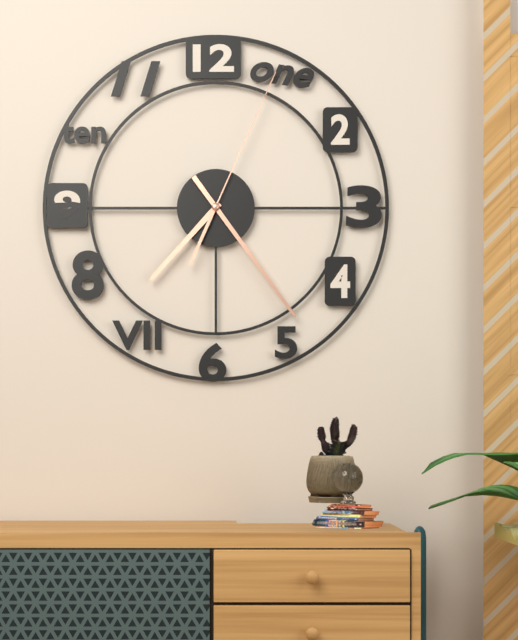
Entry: 7:24:04
